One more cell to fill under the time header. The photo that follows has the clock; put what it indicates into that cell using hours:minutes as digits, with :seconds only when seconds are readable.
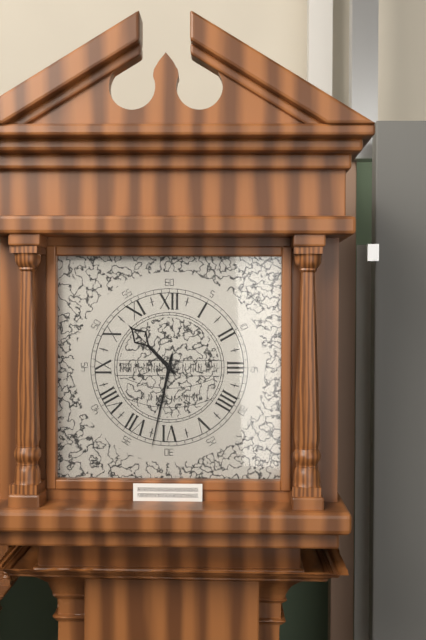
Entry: 10:32
